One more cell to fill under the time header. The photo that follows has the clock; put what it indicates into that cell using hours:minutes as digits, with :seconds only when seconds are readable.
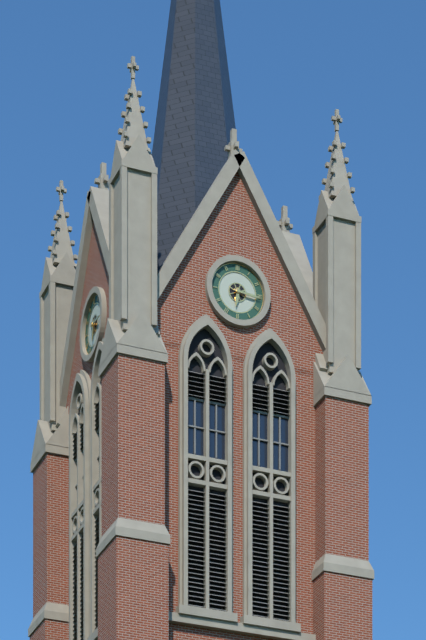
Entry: 6:16
